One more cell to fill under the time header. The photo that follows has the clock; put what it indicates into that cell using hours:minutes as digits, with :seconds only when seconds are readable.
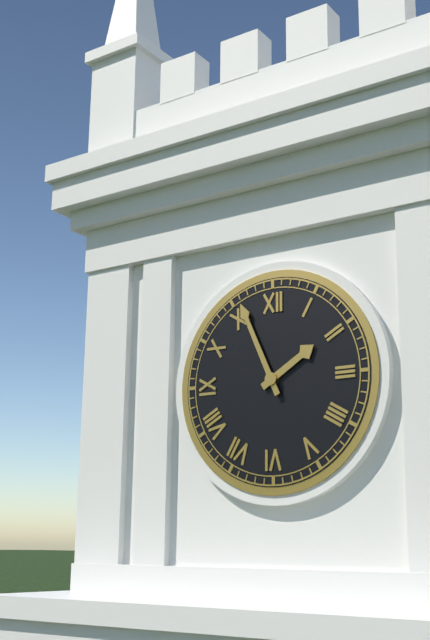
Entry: 1:56
